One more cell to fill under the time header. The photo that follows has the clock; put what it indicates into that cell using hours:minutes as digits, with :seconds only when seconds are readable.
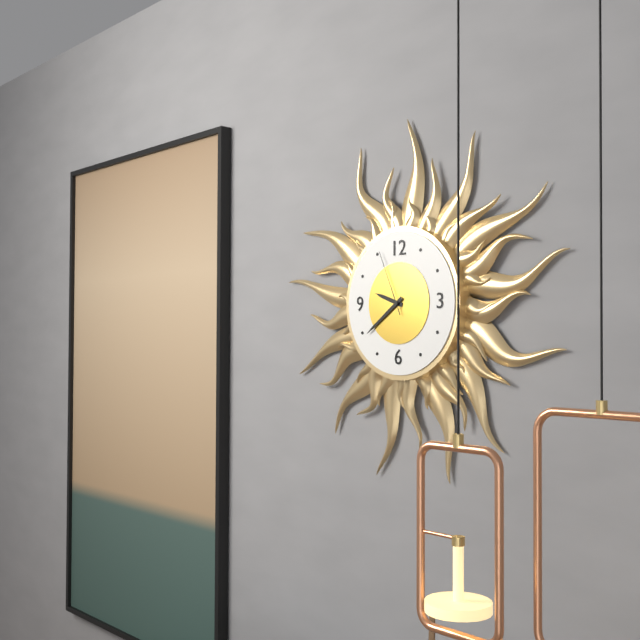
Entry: 9:39:56
